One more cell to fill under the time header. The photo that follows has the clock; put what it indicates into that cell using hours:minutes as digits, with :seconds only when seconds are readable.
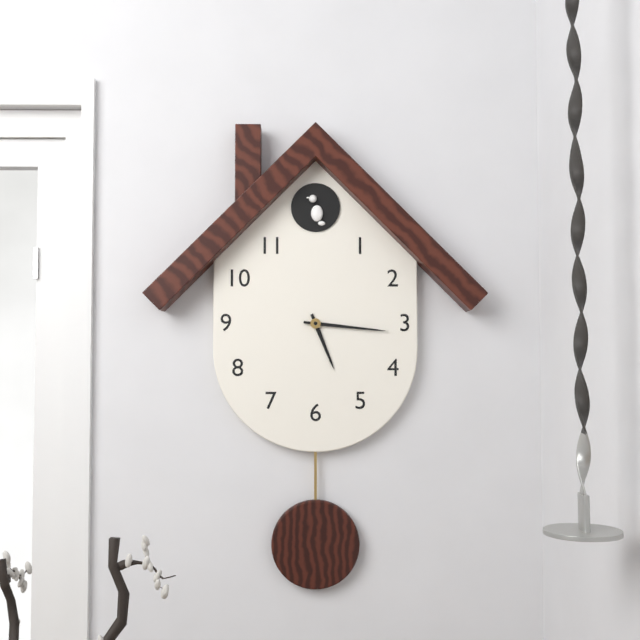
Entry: 5:16
